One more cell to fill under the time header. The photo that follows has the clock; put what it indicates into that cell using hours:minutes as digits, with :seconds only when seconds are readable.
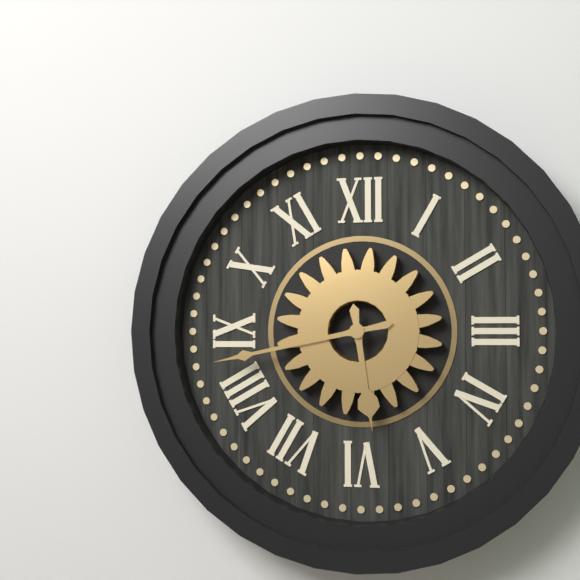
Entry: 5:43
